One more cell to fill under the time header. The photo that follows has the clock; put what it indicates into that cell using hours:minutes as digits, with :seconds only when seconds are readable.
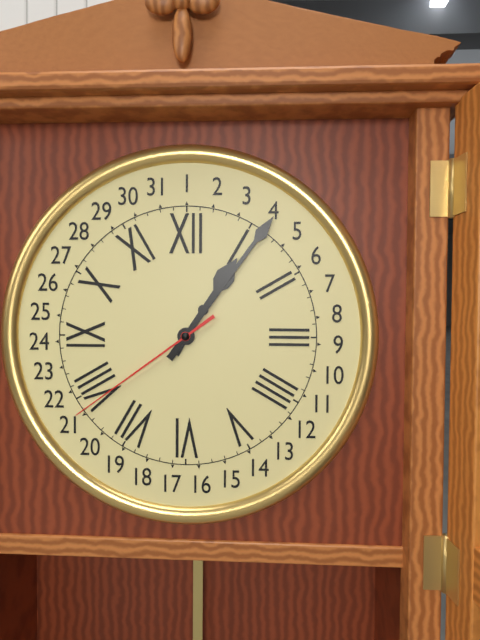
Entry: 1:06:39
